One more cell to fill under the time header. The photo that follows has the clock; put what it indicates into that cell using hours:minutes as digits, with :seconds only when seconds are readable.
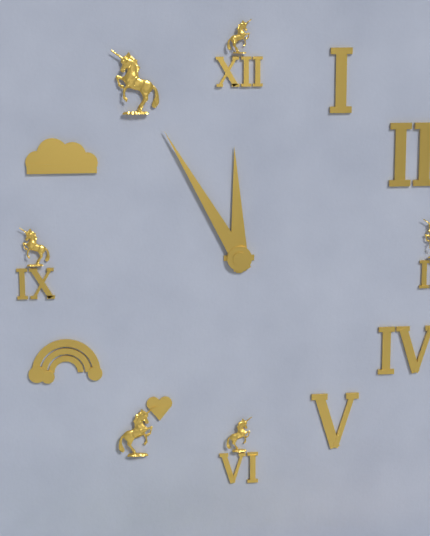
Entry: 11:55
